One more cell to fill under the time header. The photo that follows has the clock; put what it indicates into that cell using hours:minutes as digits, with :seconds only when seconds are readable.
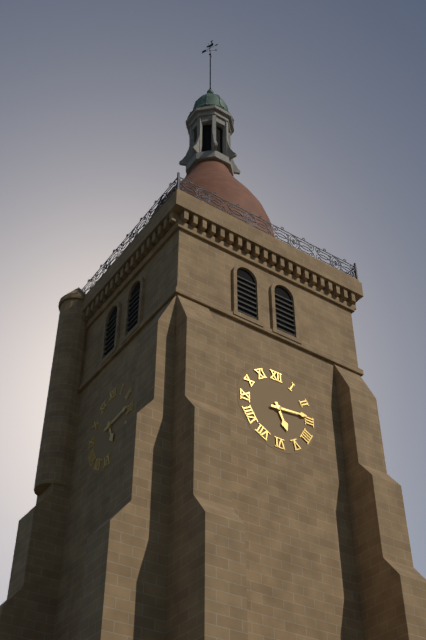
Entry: 5:14
